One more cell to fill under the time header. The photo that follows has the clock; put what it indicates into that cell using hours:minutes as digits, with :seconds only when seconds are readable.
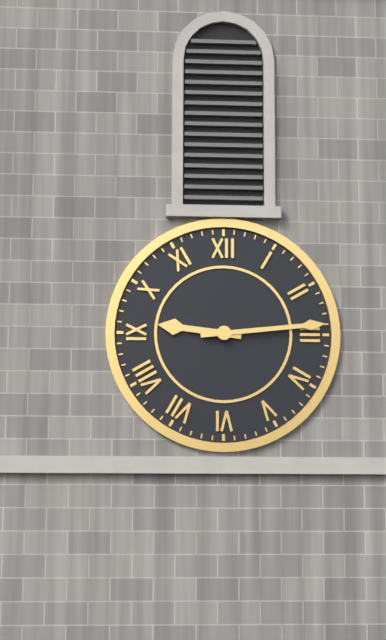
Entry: 9:14
